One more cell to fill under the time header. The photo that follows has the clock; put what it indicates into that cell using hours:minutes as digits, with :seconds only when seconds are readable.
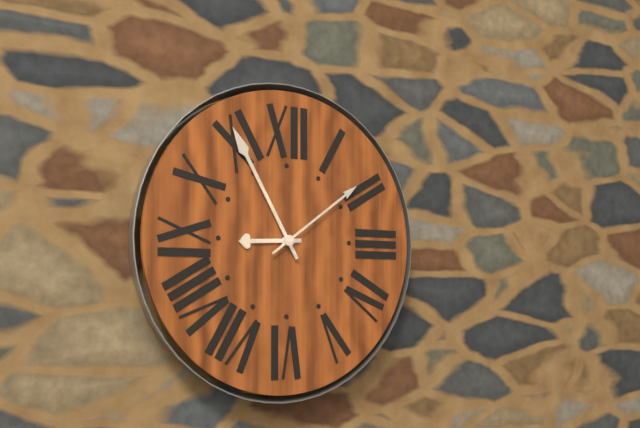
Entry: 8:55:09
